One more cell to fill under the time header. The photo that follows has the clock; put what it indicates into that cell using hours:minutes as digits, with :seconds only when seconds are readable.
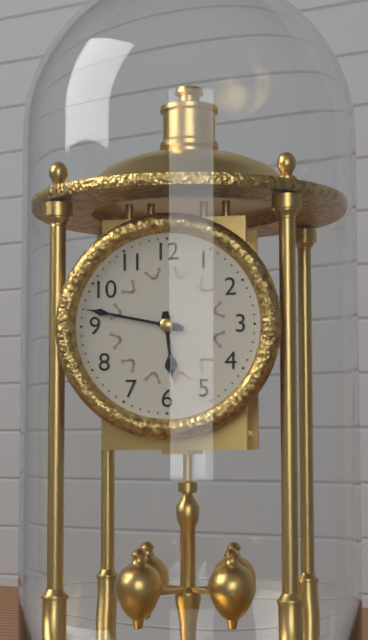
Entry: 5:47
